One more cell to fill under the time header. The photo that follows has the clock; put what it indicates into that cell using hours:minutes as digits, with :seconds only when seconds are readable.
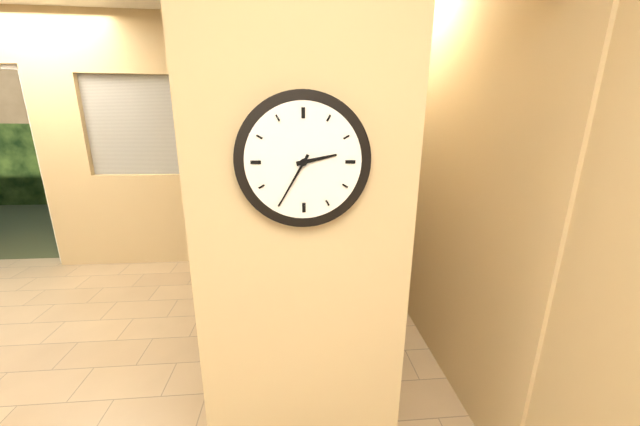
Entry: 2:35
